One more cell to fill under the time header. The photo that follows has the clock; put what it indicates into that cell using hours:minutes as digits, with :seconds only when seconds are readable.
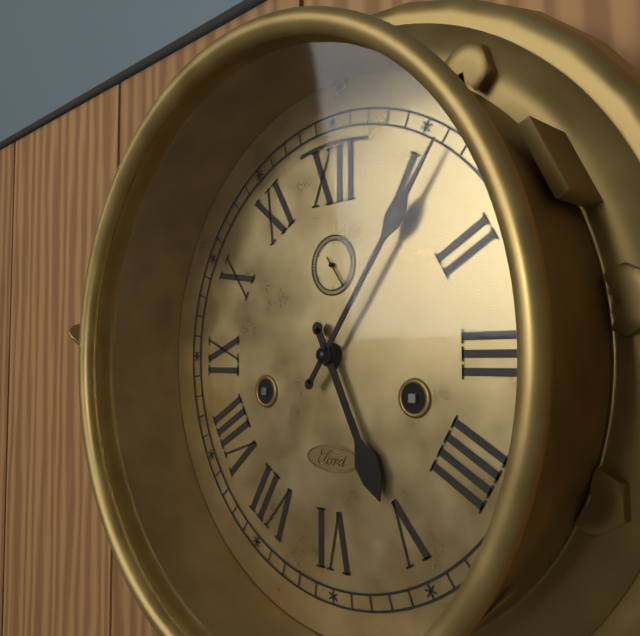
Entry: 5:06
